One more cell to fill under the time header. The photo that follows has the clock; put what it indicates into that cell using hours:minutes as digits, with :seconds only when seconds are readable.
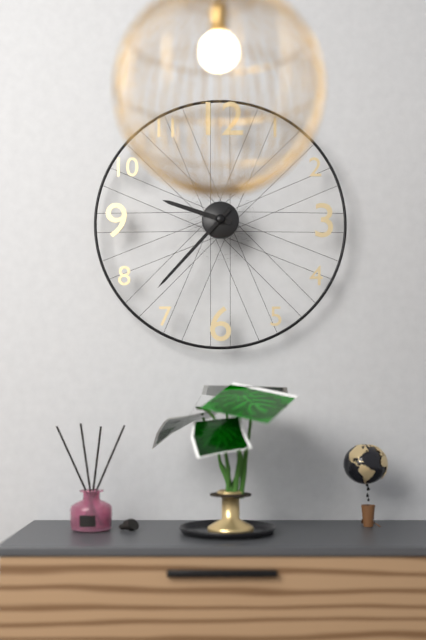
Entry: 9:37
